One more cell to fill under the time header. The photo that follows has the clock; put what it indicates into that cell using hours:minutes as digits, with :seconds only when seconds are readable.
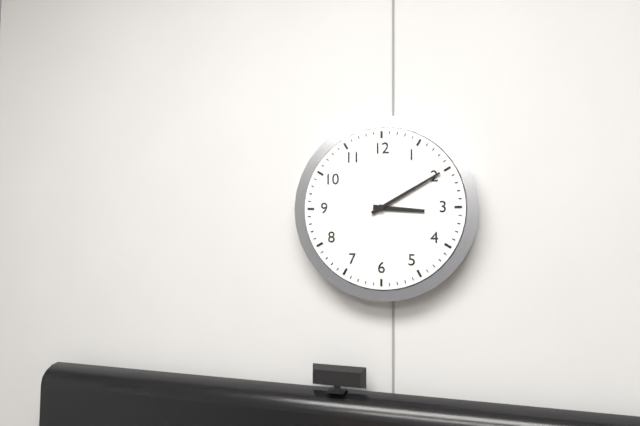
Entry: 3:10
